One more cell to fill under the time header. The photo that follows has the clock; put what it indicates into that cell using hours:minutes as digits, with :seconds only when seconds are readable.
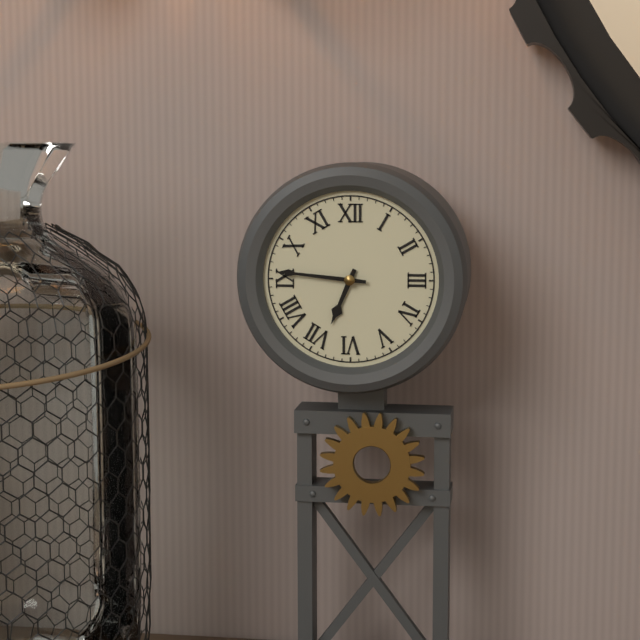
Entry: 6:46
